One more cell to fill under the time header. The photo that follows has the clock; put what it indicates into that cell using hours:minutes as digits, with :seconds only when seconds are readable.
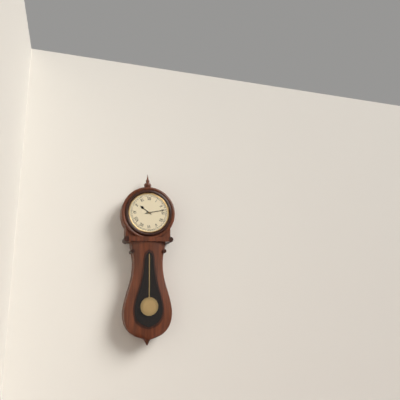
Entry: 10:13
